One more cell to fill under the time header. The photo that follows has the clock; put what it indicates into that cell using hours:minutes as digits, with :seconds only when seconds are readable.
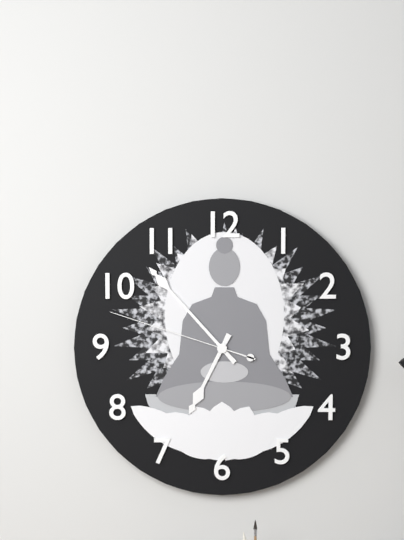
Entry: 6:53:48
